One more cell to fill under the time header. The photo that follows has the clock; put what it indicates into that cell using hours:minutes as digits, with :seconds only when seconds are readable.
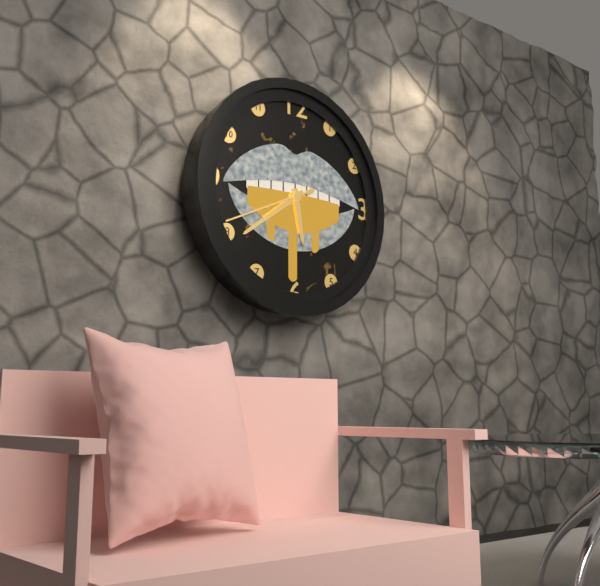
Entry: 5:39:41
